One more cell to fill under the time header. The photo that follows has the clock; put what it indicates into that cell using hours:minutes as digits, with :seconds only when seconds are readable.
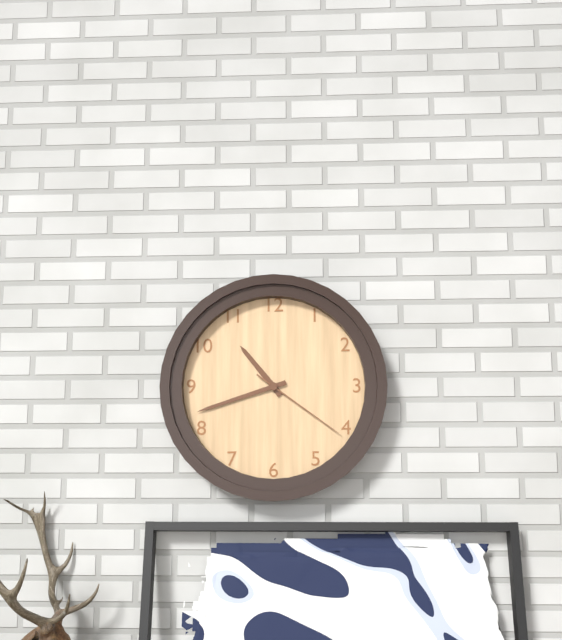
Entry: 10:42:21
